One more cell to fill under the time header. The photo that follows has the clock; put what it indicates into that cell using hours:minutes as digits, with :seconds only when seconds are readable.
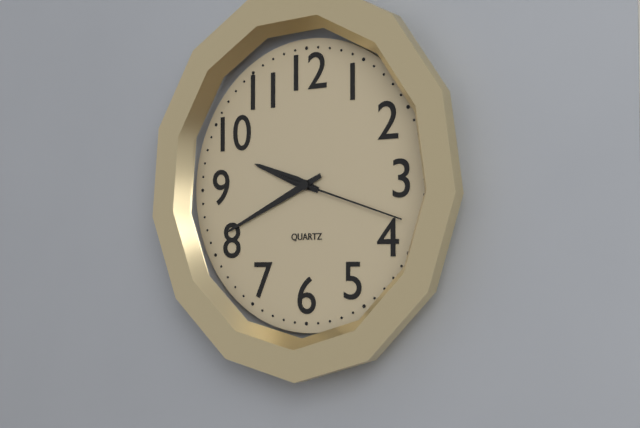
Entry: 9:41:18
